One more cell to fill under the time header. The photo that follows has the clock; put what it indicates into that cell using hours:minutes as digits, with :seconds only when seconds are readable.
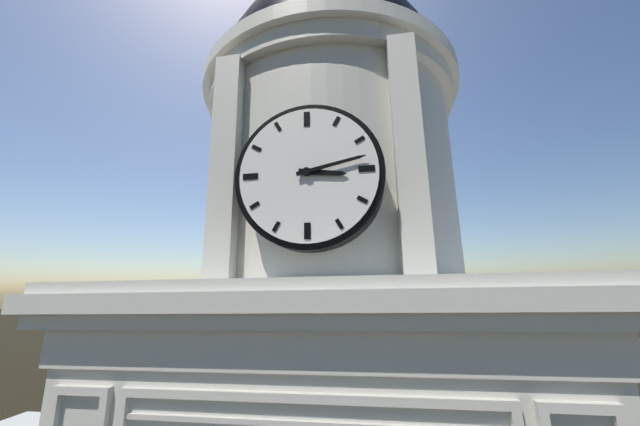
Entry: 3:13
